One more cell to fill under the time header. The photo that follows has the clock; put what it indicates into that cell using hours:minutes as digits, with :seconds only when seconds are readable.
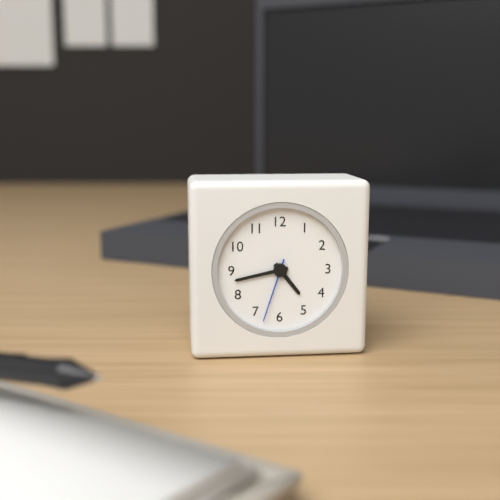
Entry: 4:43:33
